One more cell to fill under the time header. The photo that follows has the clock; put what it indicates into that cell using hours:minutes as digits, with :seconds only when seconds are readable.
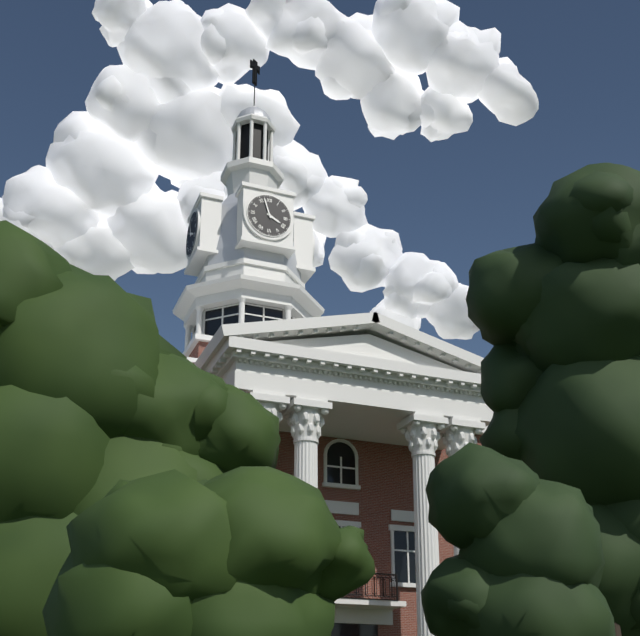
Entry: 3:57
